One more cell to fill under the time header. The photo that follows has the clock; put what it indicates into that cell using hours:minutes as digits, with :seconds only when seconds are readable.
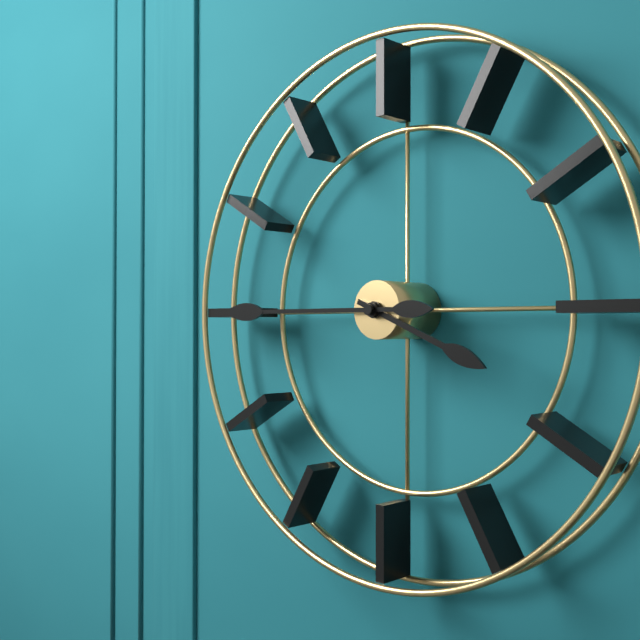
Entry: 3:45
